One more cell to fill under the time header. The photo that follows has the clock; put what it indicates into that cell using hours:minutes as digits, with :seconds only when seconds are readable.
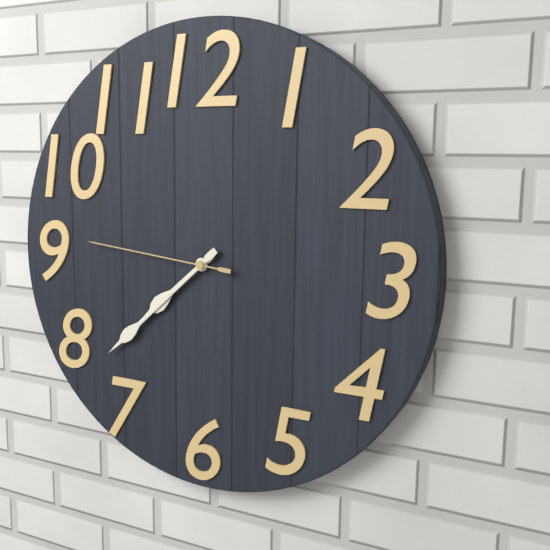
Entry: 7:38:46
